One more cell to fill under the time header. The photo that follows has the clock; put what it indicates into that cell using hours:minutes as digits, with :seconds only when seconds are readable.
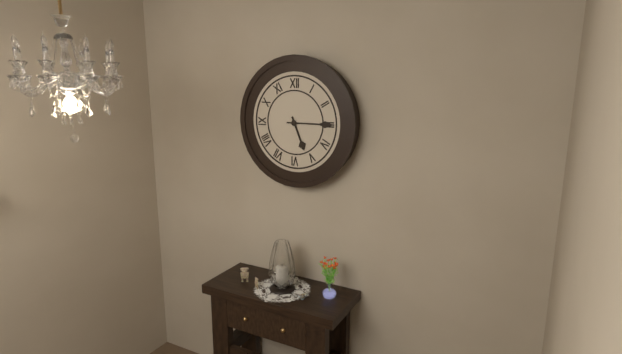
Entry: 5:15
